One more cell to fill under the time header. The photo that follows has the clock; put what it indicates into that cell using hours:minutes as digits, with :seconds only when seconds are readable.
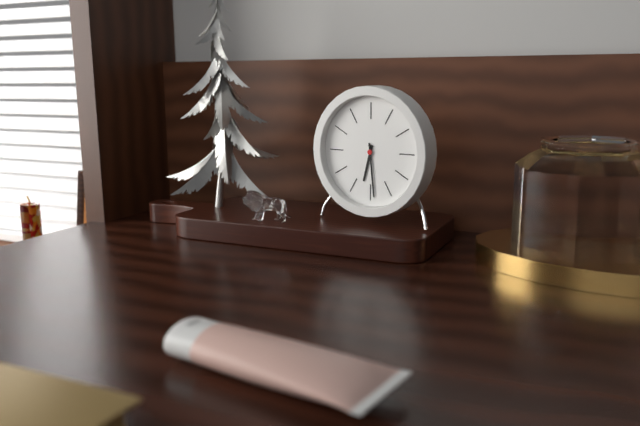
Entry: 6:29
